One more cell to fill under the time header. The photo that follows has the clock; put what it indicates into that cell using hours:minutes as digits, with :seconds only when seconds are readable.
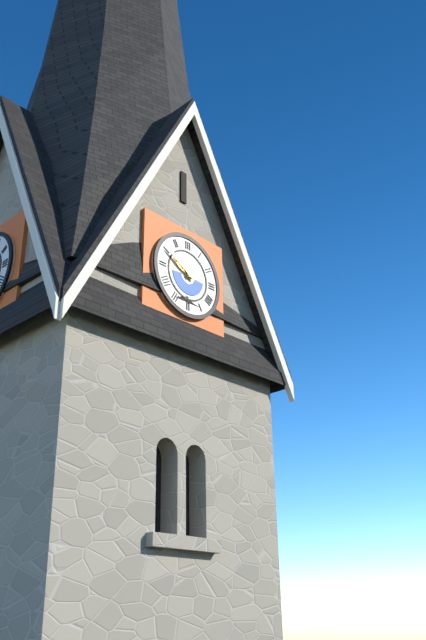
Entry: 9:50
